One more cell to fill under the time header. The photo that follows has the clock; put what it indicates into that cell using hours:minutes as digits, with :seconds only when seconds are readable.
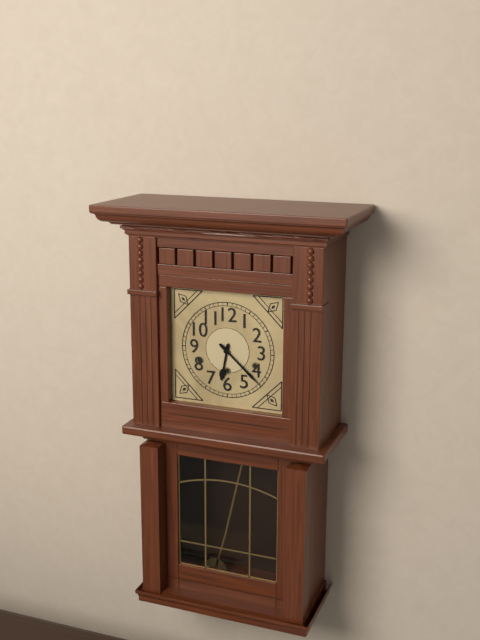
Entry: 6:22
